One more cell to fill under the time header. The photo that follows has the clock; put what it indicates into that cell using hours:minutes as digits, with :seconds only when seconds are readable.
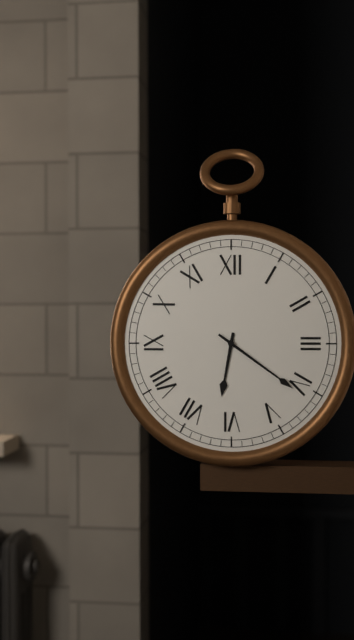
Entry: 6:21
